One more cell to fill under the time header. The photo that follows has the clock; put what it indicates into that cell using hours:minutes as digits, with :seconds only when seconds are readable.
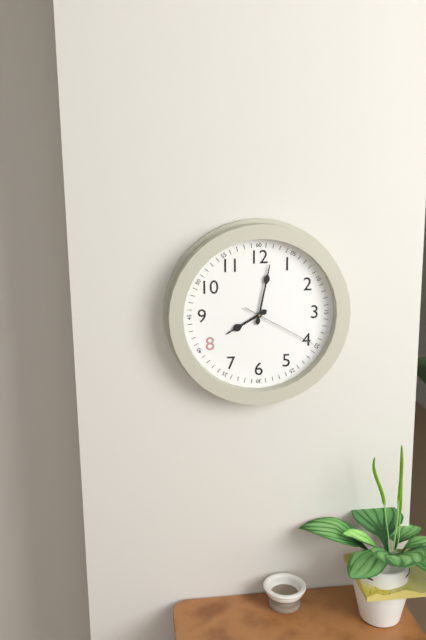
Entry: 8:02:20
